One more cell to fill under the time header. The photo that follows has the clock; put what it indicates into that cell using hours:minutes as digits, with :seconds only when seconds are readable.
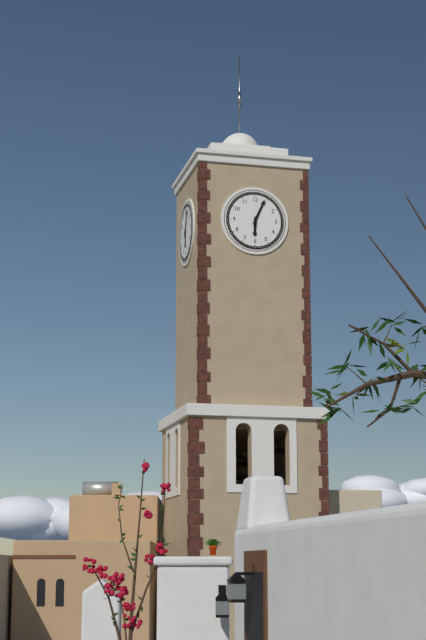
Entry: 6:04
